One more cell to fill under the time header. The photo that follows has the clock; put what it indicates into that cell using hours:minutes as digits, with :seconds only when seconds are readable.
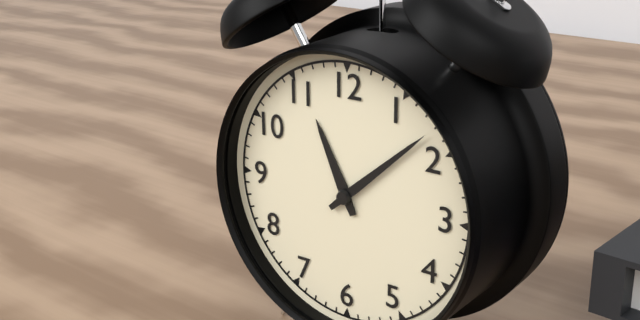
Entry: 11:08
